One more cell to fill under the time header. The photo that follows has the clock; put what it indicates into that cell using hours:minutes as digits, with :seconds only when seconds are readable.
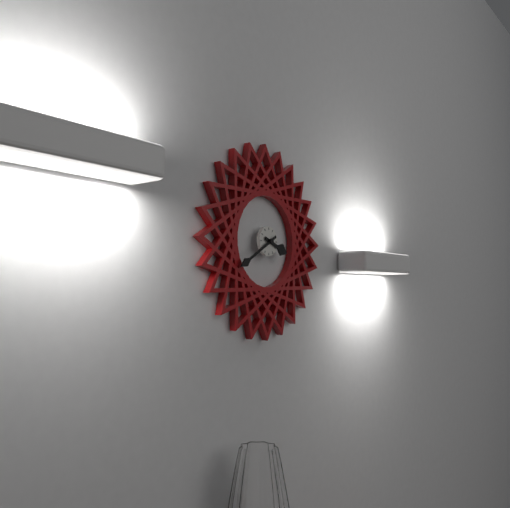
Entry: 3:40
